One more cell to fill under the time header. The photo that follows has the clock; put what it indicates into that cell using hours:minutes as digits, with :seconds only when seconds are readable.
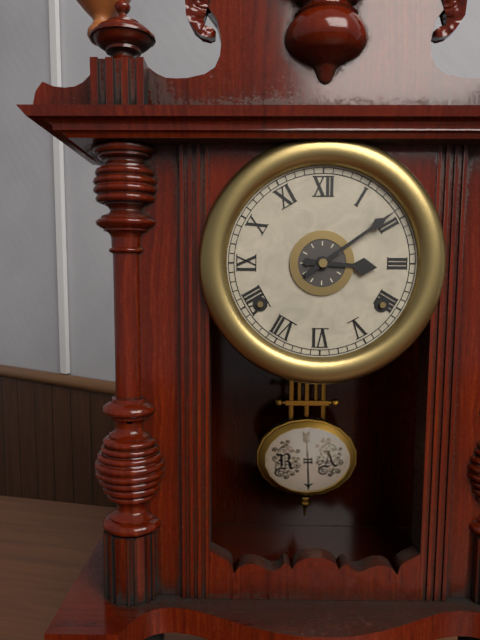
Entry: 3:09
